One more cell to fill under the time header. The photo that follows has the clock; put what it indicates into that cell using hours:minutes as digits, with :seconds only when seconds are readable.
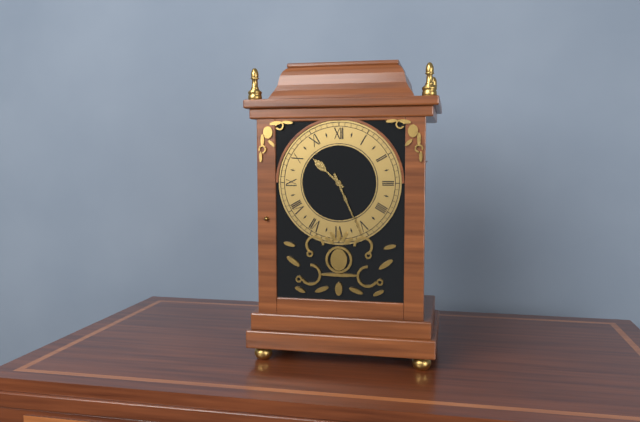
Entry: 10:26
